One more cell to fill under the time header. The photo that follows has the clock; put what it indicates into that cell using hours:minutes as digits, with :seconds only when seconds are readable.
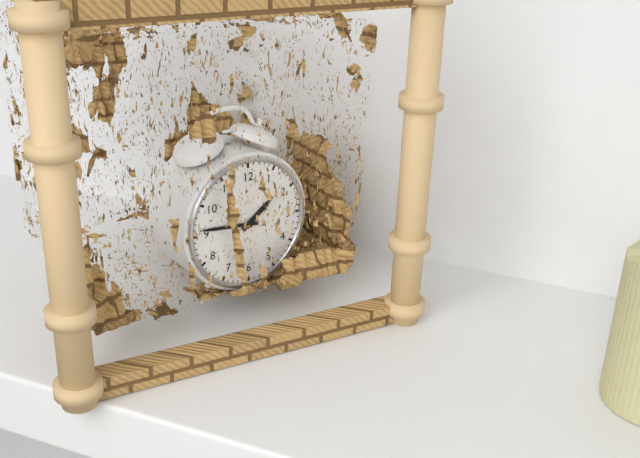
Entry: 1:46
